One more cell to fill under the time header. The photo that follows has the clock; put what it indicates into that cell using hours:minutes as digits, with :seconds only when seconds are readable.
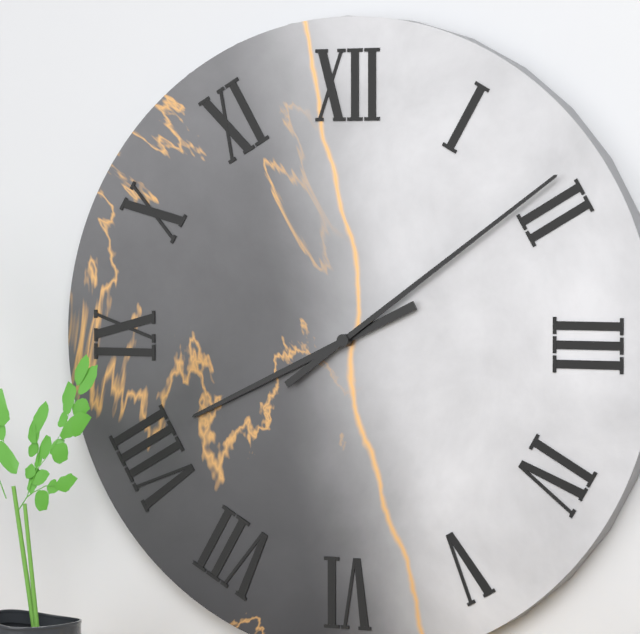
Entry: 8:09
